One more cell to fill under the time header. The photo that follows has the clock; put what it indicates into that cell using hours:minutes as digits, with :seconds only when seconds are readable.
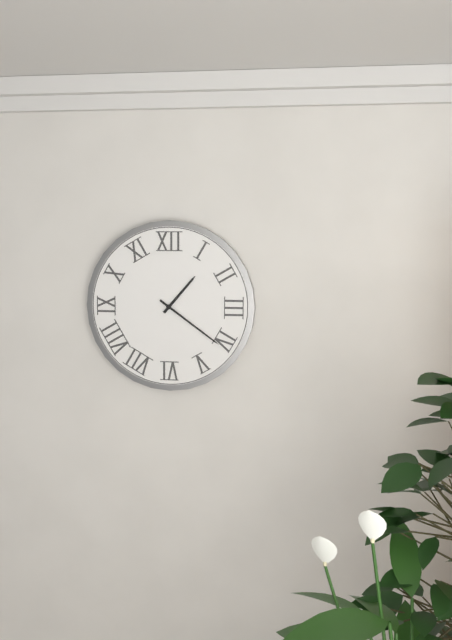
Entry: 1:21
